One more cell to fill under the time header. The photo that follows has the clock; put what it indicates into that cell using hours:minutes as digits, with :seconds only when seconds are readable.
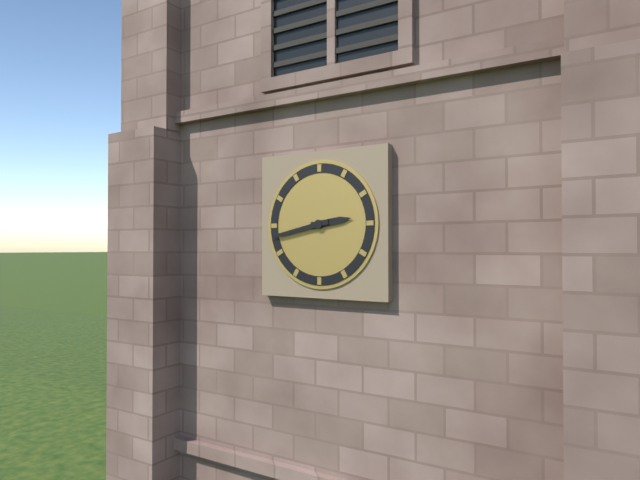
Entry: 2:43
